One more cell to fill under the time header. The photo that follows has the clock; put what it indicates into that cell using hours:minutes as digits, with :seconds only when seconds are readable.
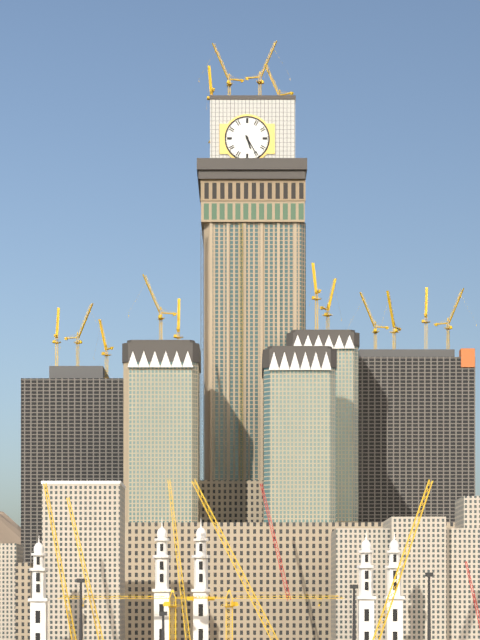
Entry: 5:25
